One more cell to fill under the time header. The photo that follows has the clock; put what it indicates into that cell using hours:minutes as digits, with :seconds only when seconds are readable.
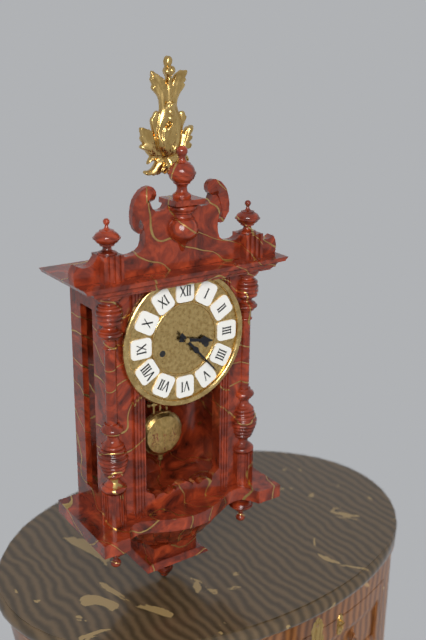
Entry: 3:23
